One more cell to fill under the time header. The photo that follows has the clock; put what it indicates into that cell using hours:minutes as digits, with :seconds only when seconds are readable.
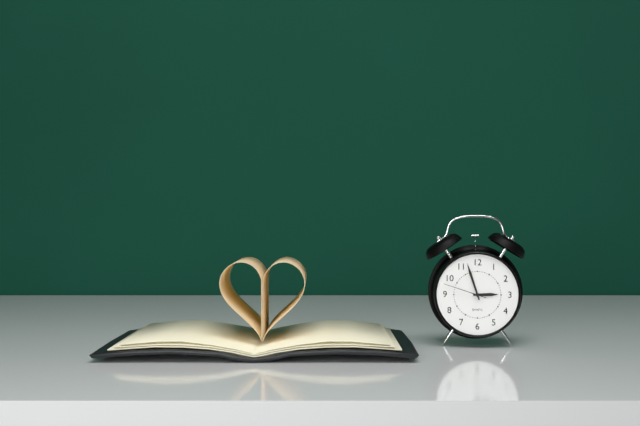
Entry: 2:57
